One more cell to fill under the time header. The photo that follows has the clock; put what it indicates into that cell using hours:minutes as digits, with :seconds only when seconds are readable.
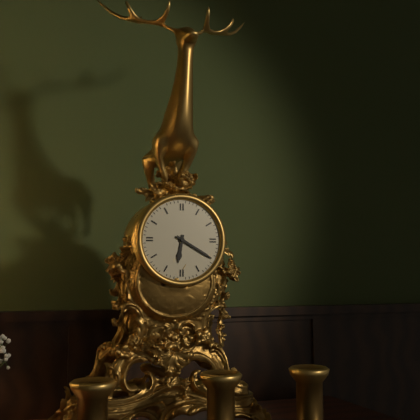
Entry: 6:20
